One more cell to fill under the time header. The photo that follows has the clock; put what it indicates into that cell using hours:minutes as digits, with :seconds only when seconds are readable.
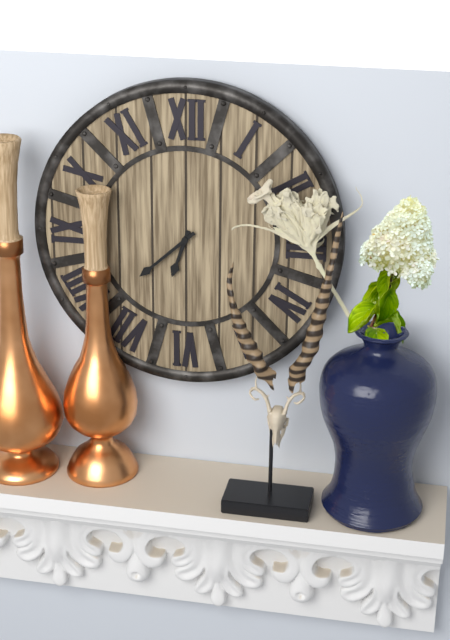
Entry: 6:38
